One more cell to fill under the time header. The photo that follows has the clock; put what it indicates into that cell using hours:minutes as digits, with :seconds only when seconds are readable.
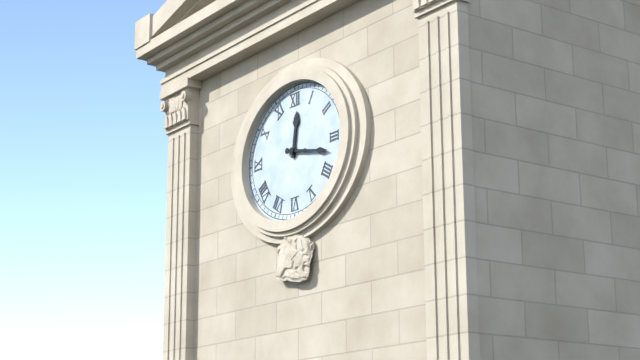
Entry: 12:17
